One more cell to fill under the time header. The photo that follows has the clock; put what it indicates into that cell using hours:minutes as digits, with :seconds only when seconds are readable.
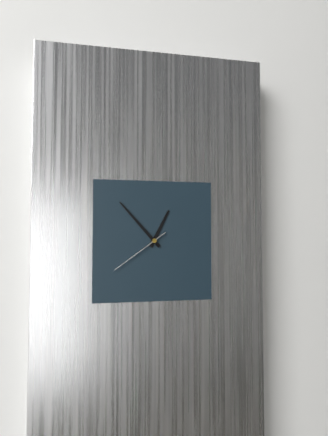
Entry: 12:53:39
